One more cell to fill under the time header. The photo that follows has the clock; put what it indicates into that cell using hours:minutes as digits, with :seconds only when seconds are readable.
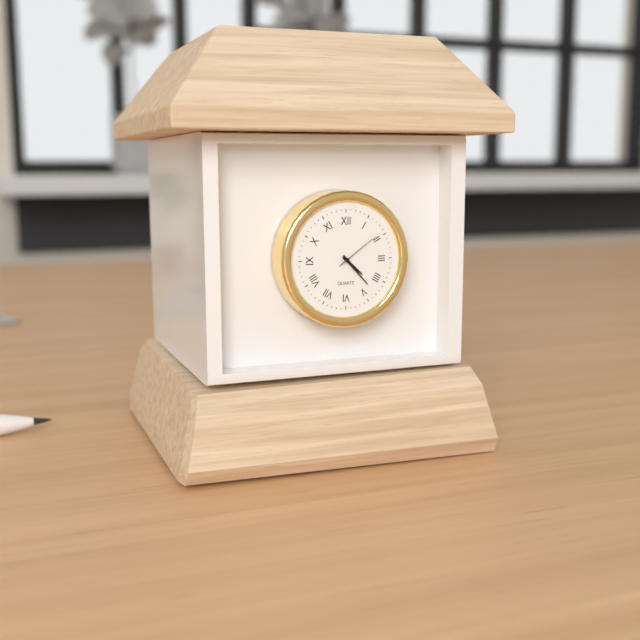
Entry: 4:23
